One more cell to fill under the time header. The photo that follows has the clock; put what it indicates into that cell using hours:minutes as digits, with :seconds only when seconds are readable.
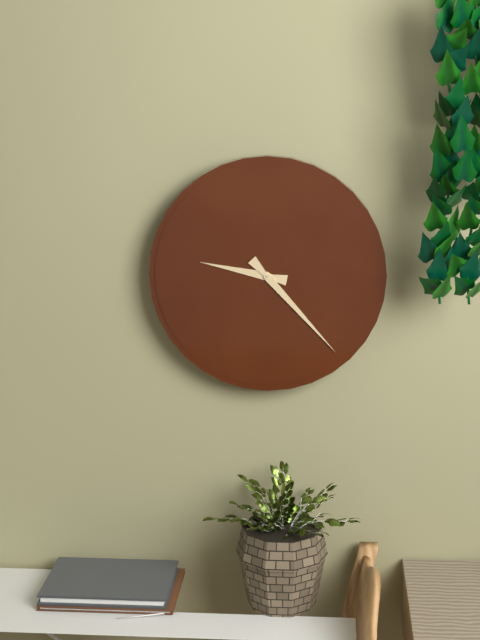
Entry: 9:23
